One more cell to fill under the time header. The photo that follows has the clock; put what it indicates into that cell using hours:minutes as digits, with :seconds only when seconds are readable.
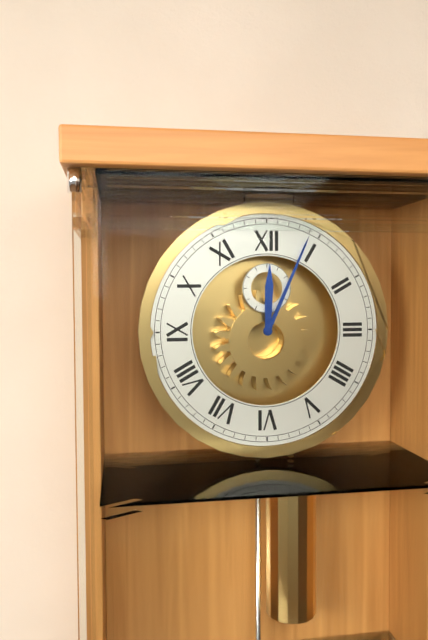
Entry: 12:04
